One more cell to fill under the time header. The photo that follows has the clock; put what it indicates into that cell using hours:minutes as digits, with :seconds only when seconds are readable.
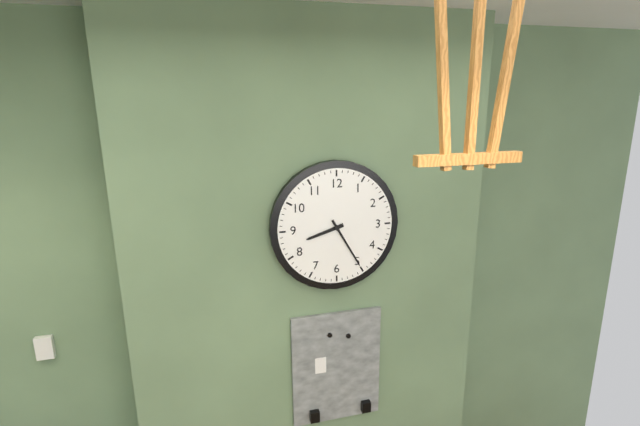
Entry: 8:25
